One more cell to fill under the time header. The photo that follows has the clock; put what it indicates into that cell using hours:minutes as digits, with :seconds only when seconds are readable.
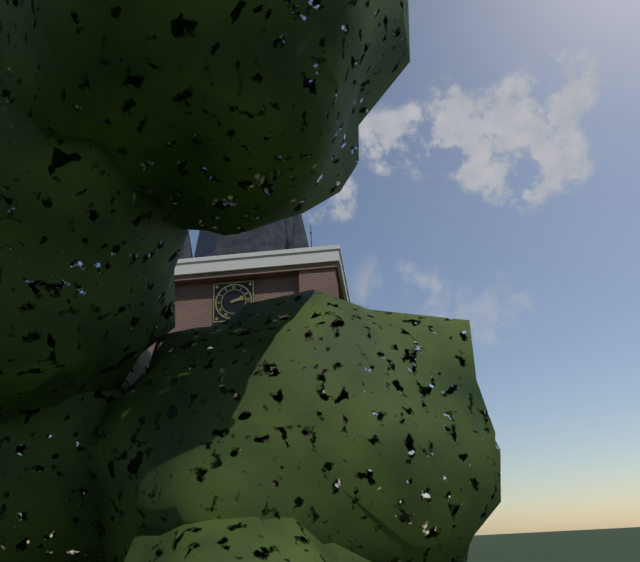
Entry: 2:14
